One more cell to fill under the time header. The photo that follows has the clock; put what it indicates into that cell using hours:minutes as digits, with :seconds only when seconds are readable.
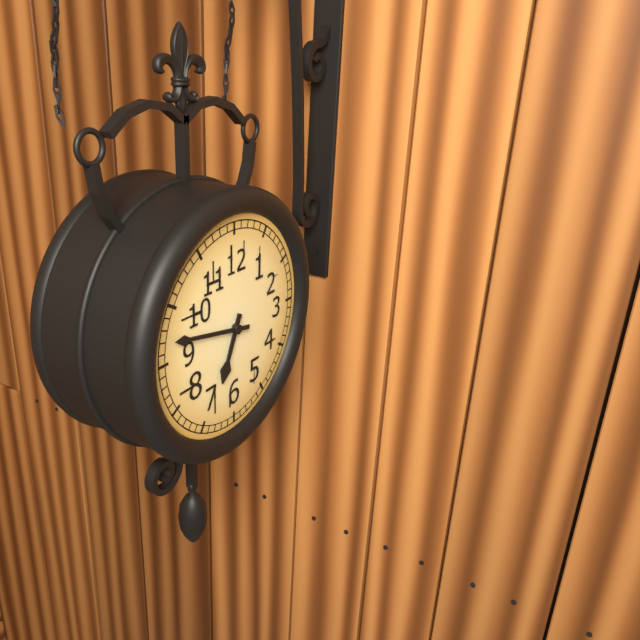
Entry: 6:47
